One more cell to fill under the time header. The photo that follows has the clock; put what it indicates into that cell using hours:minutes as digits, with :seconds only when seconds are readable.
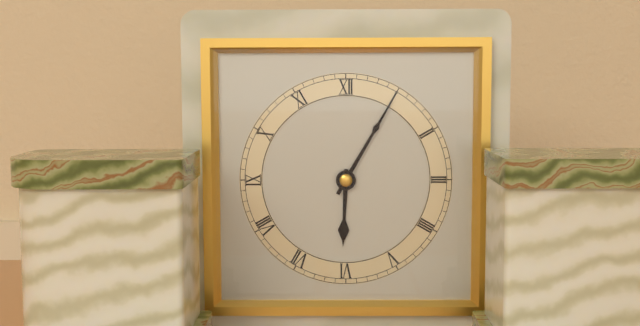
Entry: 6:05
